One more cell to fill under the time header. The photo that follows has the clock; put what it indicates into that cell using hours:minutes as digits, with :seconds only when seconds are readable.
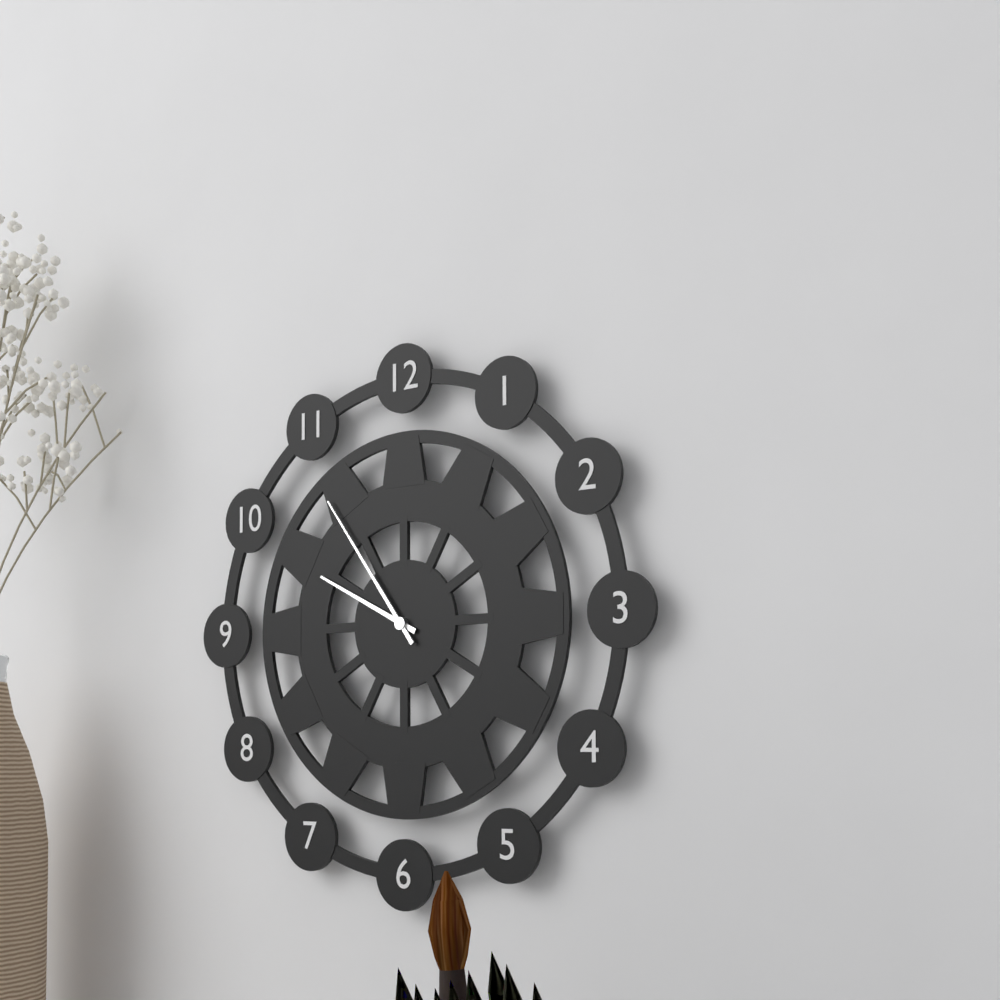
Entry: 9:54
